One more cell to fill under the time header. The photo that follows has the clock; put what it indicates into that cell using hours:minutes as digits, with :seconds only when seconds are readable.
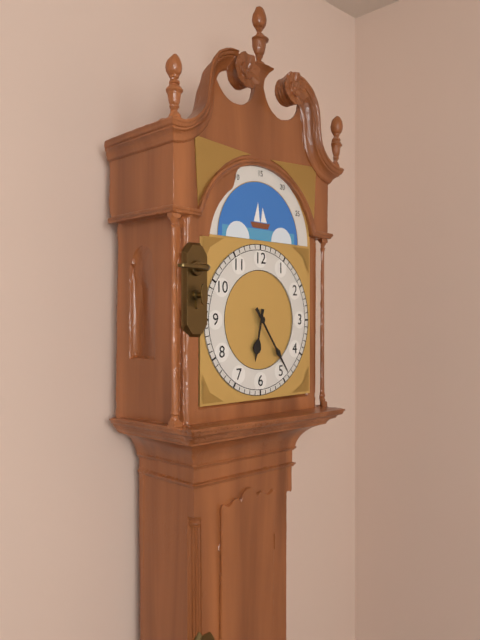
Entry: 6:24
